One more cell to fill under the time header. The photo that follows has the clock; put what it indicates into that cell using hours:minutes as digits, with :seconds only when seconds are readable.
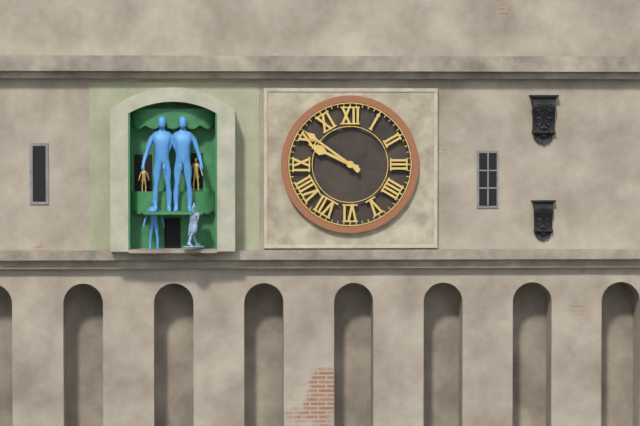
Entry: 9:51
